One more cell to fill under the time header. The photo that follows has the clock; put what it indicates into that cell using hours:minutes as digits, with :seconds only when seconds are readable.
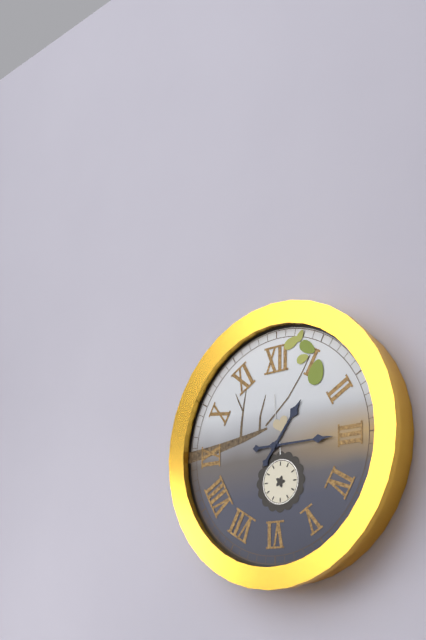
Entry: 1:15
